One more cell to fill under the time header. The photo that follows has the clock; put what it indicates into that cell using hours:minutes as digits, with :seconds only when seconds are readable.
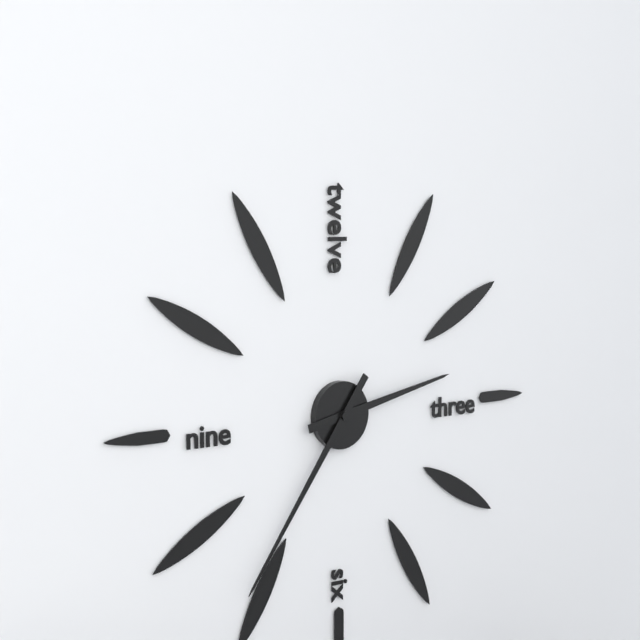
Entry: 2:36
